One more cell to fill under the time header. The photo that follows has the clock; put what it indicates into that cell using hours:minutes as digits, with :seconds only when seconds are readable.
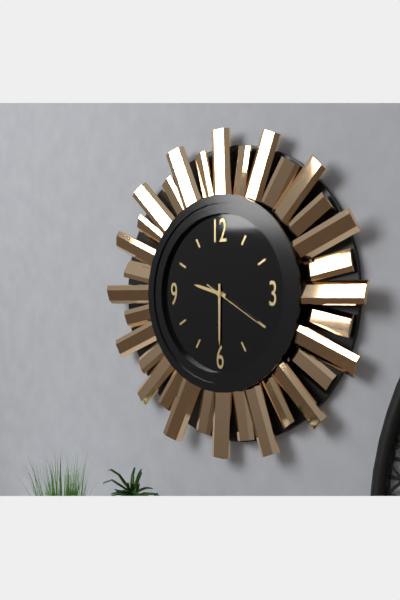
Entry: 9:30:20
